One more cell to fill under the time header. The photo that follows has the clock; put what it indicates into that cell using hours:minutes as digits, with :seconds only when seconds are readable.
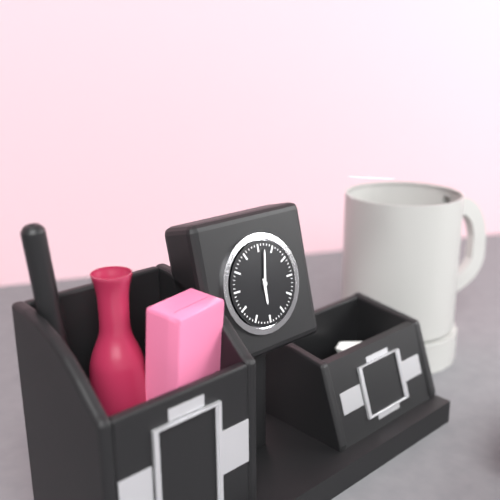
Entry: 6:02
